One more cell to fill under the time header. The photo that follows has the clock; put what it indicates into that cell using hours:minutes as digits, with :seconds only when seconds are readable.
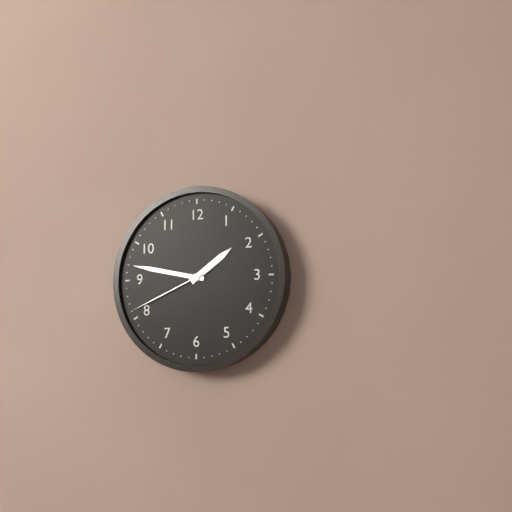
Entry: 1:47:41
